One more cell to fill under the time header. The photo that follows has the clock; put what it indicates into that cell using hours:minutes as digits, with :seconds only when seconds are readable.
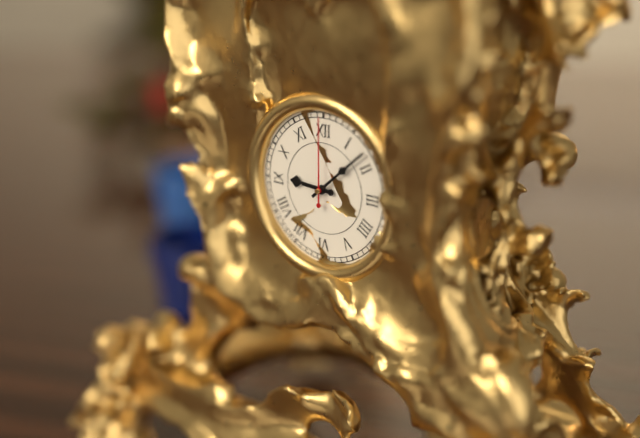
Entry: 9:08:00
